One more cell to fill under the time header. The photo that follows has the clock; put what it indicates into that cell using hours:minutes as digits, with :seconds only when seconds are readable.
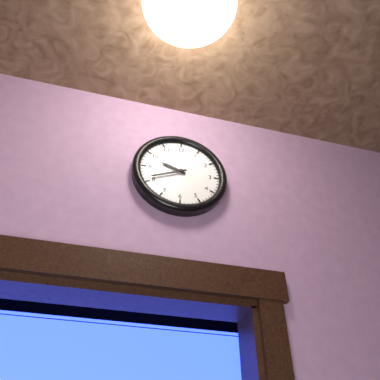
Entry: 9:41
